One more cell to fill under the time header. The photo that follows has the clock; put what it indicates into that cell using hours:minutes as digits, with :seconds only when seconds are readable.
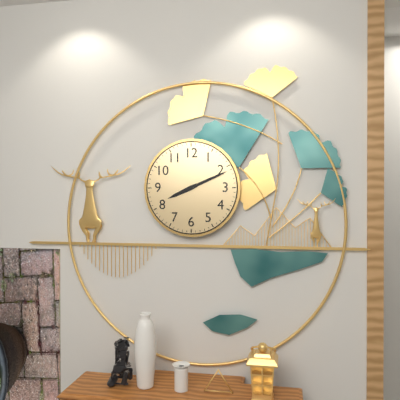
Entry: 8:11
